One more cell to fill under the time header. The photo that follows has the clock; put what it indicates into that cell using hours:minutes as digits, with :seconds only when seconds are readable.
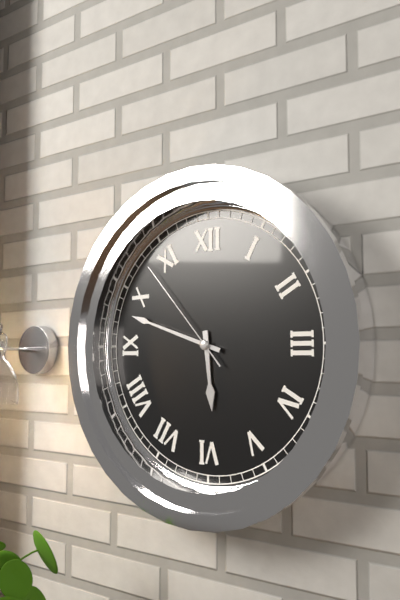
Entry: 5:48:53
